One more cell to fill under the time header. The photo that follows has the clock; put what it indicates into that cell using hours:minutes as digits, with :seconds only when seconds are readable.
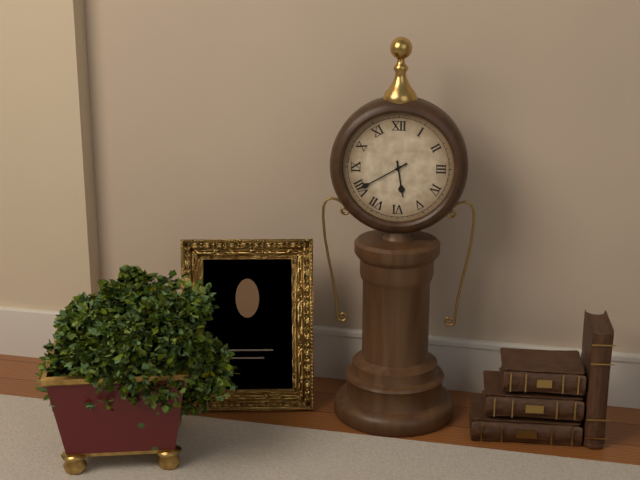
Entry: 5:40
